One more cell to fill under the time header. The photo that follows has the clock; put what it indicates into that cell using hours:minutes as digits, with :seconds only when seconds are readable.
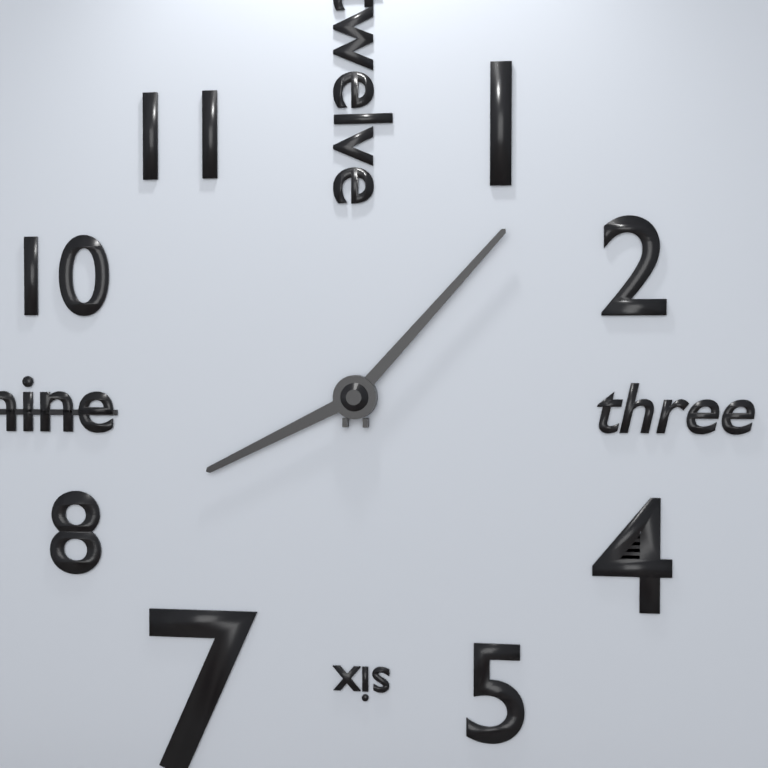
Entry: 8:07
